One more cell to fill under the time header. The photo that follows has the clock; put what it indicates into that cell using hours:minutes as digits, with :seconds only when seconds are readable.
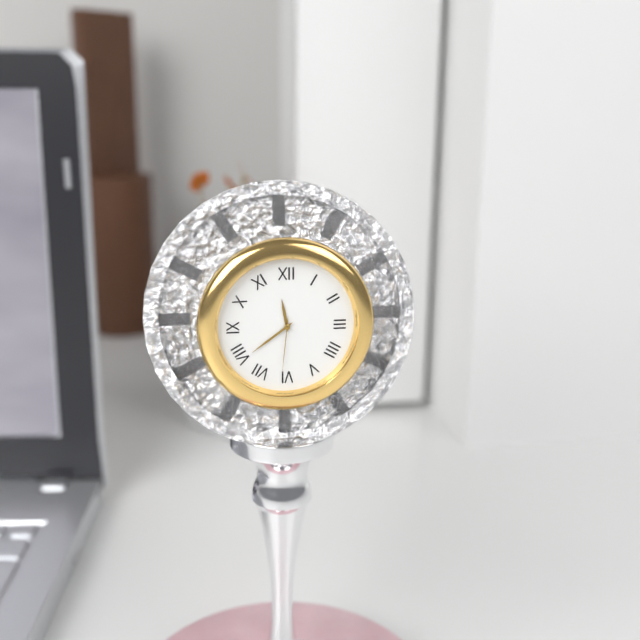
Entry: 11:39:31
